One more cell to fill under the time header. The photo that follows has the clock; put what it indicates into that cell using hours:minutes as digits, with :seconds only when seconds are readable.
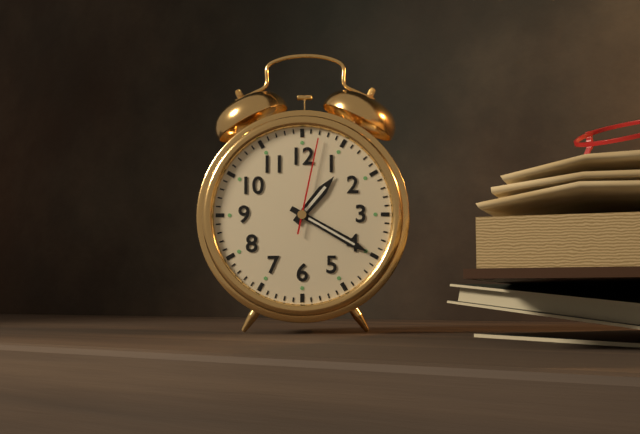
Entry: 1:20:02
